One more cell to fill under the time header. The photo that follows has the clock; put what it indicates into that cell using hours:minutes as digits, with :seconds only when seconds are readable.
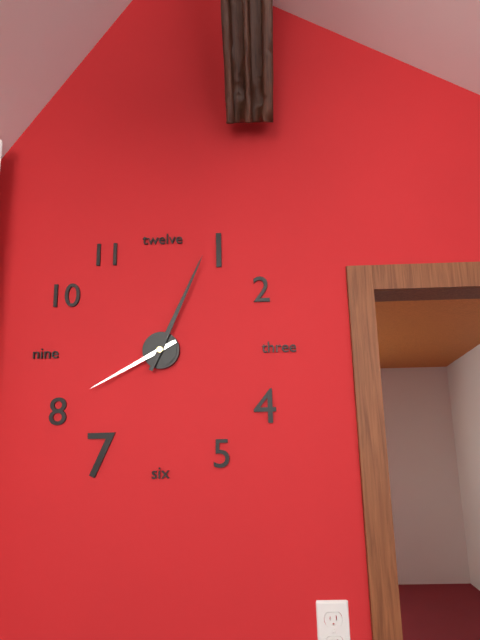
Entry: 8:04
